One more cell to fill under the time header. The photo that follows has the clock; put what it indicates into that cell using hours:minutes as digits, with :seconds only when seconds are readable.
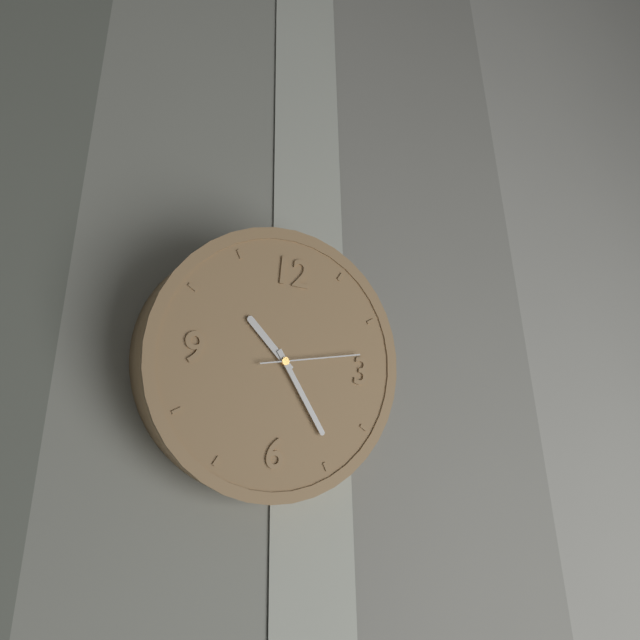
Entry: 10:24:13
